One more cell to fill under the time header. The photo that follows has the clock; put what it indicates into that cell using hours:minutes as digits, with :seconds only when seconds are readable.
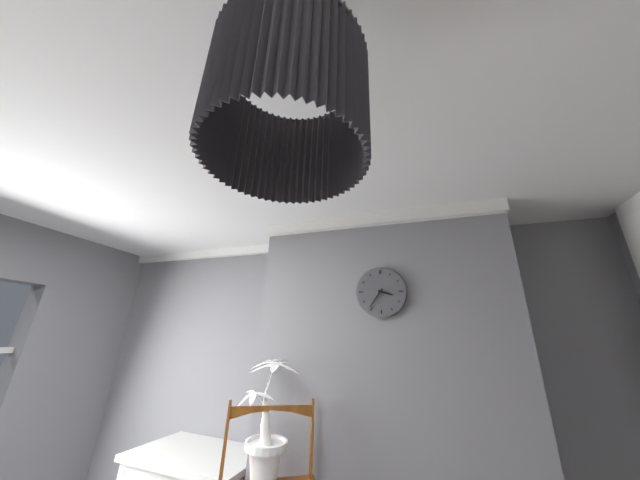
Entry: 3:36
